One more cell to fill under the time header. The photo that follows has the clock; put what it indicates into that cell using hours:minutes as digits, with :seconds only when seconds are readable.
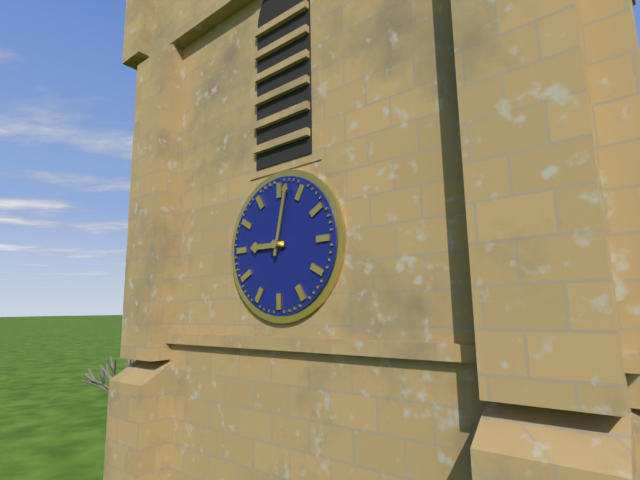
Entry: 9:02
